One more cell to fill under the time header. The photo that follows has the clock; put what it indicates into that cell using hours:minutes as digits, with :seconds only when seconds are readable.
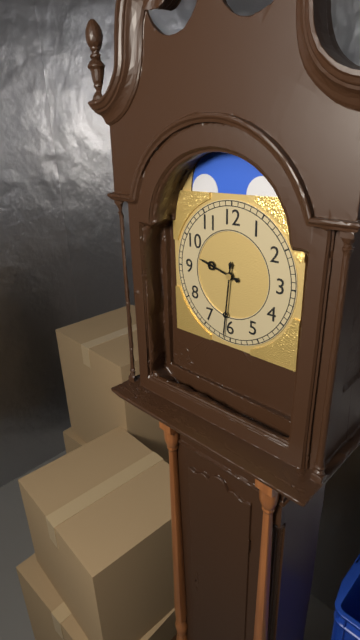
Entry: 9:31
